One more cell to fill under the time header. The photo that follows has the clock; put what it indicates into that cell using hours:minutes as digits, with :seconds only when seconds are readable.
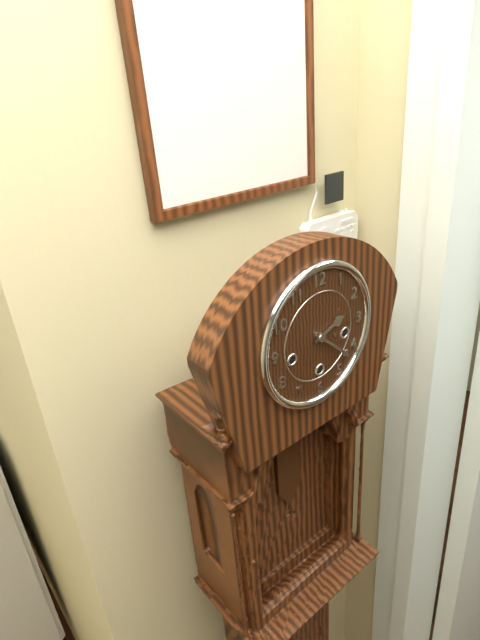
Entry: 2:22
